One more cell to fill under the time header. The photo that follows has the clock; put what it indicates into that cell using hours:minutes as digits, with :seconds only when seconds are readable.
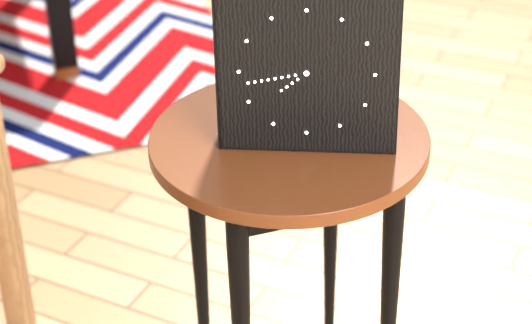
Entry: 7:43
